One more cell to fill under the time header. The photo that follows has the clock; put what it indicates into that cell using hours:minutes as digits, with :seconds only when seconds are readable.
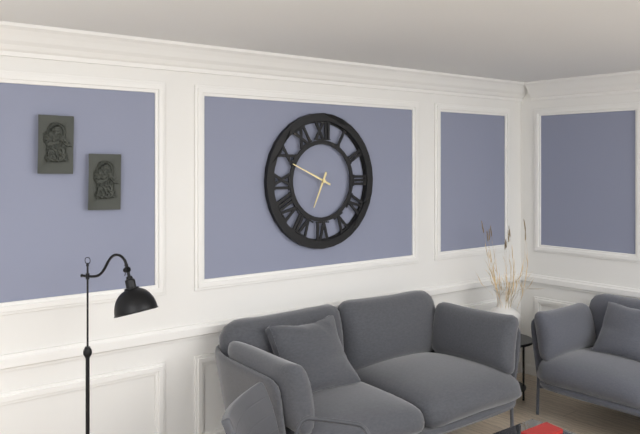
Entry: 6:49
